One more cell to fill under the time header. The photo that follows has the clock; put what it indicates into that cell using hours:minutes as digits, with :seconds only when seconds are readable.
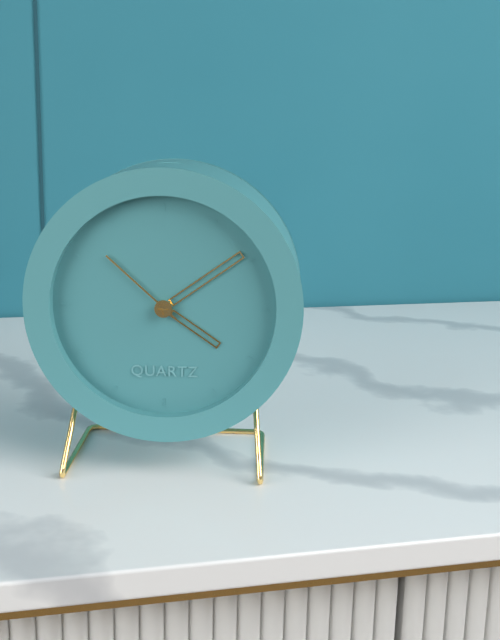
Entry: 4:09:52
